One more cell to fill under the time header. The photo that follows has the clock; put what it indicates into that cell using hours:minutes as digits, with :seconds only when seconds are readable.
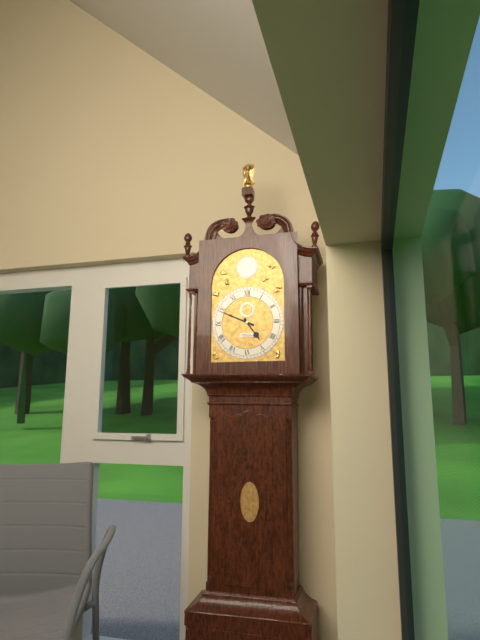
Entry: 4:49
